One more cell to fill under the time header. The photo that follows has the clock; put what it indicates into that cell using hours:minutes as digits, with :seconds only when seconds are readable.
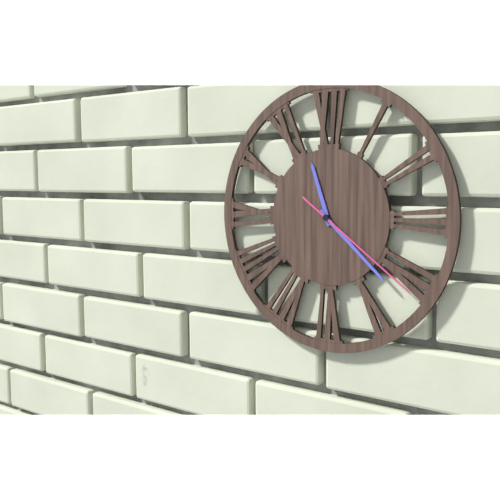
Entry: 11:22:21
